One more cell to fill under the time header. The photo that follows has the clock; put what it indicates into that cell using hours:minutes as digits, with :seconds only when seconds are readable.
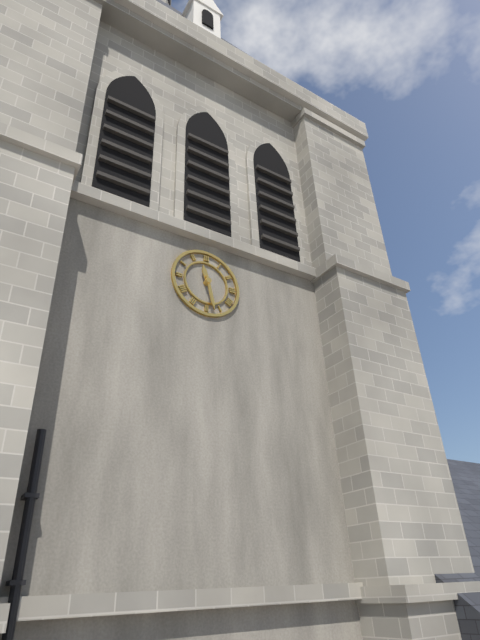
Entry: 11:28
